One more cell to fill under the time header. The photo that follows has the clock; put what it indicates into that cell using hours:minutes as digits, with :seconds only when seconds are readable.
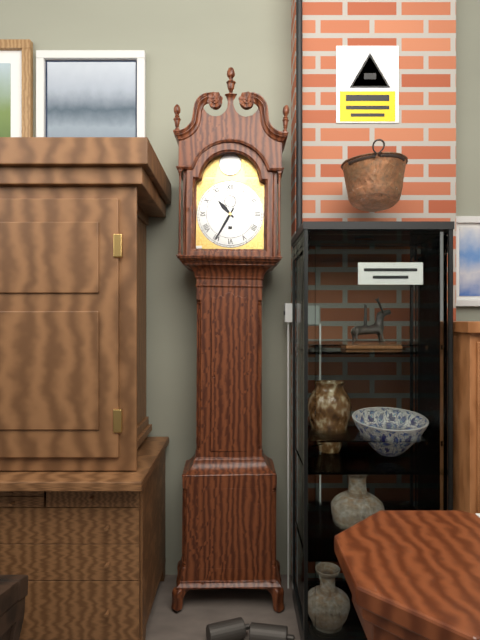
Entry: 10:35
